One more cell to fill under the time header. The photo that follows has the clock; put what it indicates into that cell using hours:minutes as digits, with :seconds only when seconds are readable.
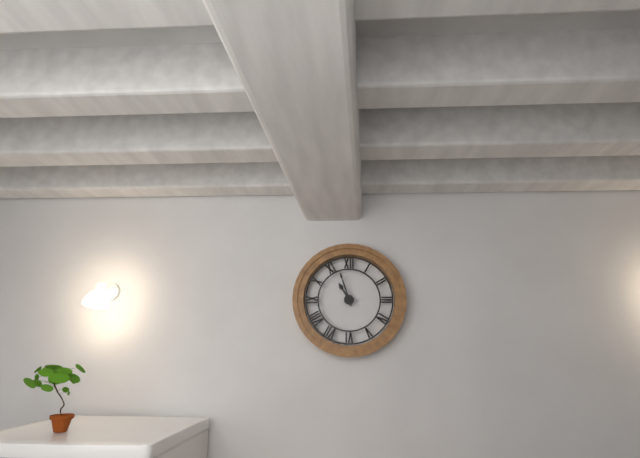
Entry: 10:57
